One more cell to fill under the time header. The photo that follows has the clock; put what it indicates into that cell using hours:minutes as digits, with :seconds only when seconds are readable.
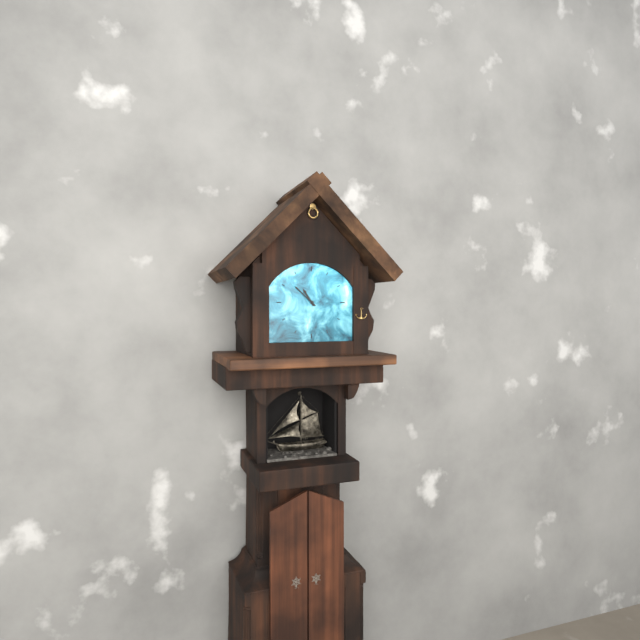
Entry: 10:52
